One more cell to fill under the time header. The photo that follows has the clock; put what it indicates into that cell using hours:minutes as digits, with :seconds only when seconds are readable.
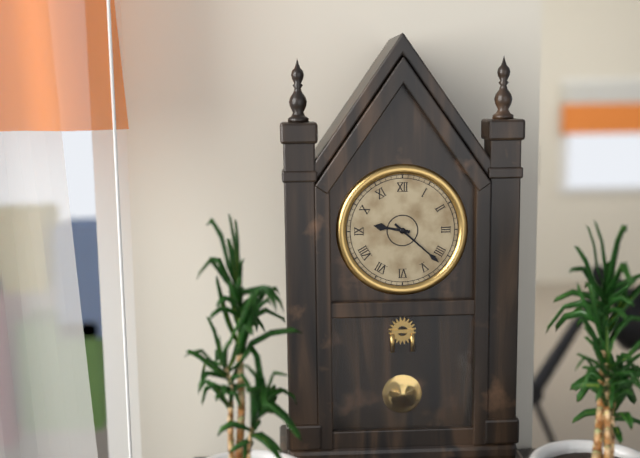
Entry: 9:22
